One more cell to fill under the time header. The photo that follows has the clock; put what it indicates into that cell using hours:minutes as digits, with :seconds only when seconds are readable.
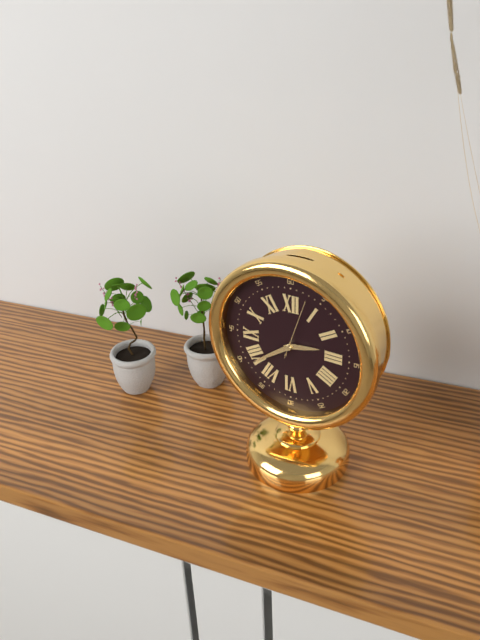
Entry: 2:39:03
